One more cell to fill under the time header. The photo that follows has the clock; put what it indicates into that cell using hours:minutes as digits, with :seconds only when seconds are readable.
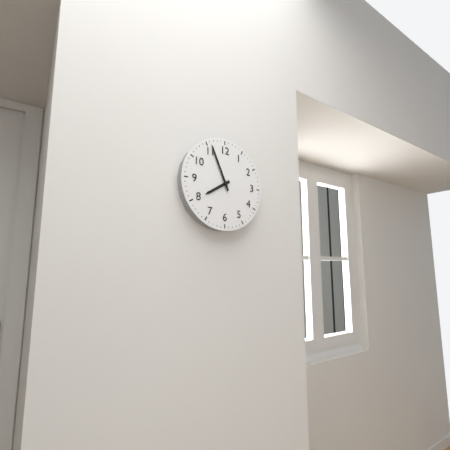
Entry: 7:56
